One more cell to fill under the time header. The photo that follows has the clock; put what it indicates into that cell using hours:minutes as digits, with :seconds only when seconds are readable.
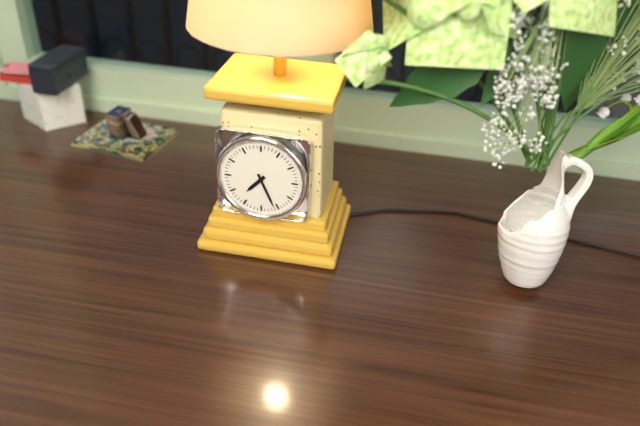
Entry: 7:26
